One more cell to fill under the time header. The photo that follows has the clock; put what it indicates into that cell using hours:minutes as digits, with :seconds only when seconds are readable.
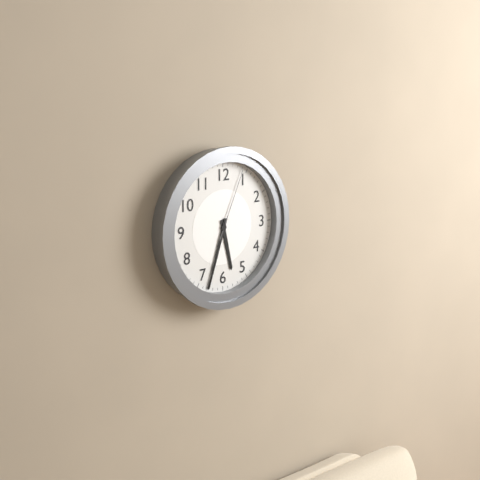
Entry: 5:33:04
